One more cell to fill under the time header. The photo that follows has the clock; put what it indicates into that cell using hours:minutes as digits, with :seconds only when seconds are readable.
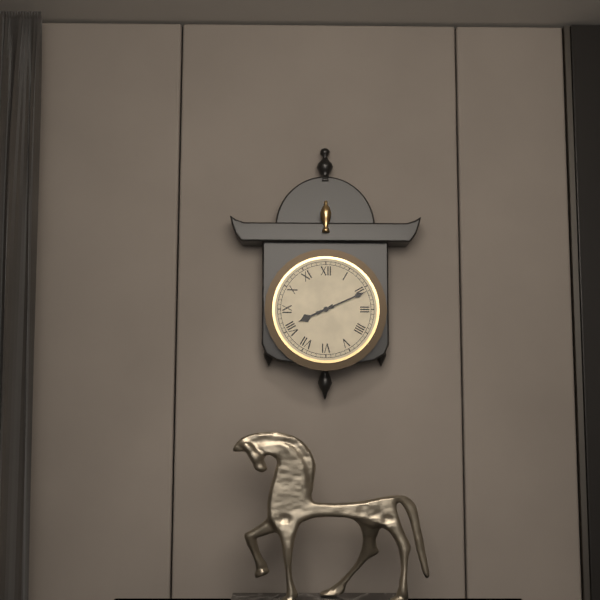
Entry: 8:11
